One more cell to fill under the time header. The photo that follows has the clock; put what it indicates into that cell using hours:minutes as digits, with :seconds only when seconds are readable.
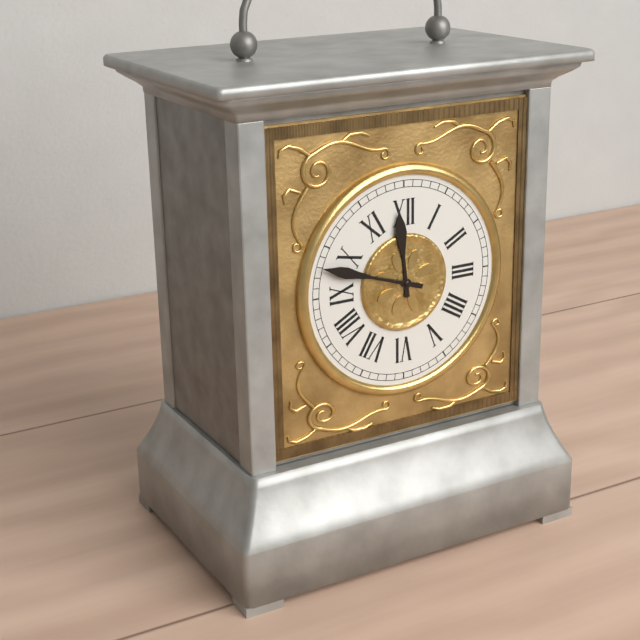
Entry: 11:48
